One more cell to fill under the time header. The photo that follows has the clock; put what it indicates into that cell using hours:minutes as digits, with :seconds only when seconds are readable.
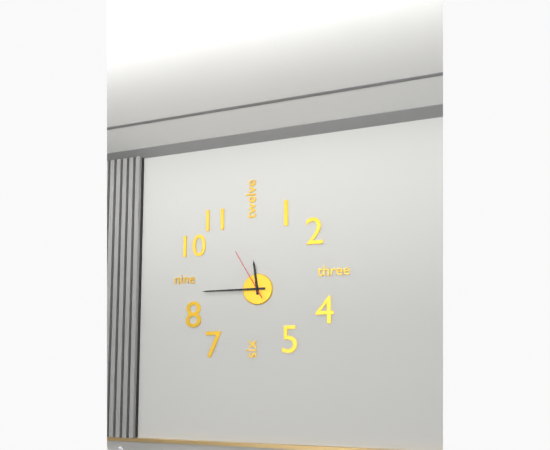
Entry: 11:45:55
